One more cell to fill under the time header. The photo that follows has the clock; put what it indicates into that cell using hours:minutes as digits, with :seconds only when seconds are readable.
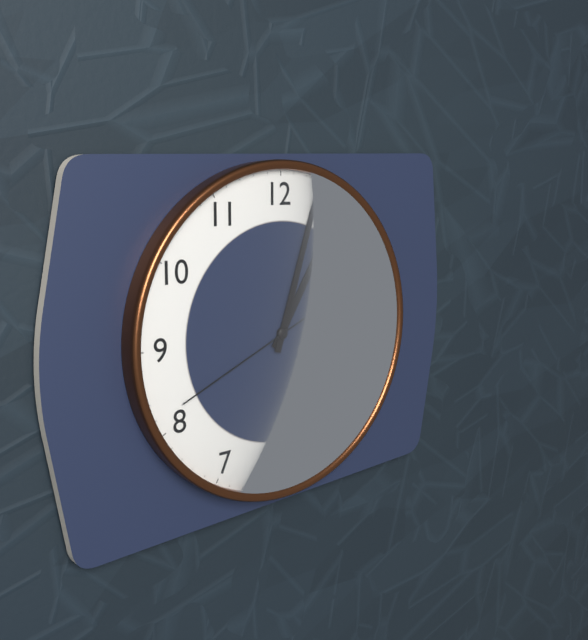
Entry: 1:03:41
